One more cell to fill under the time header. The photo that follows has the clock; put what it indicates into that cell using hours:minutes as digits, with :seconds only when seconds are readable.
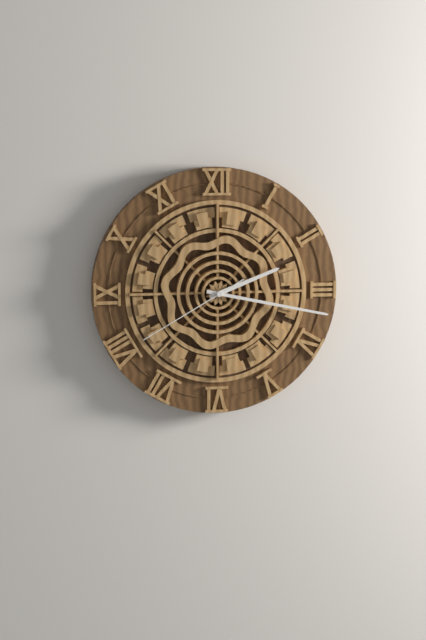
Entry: 2:17:40
